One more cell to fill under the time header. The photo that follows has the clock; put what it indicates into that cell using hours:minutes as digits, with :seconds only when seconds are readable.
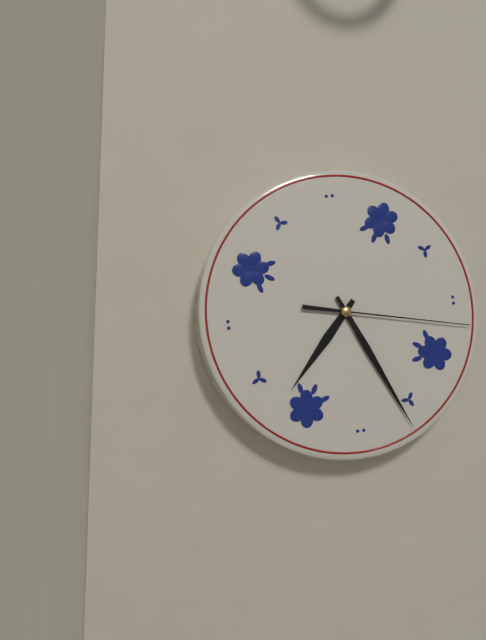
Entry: 7:26:17
